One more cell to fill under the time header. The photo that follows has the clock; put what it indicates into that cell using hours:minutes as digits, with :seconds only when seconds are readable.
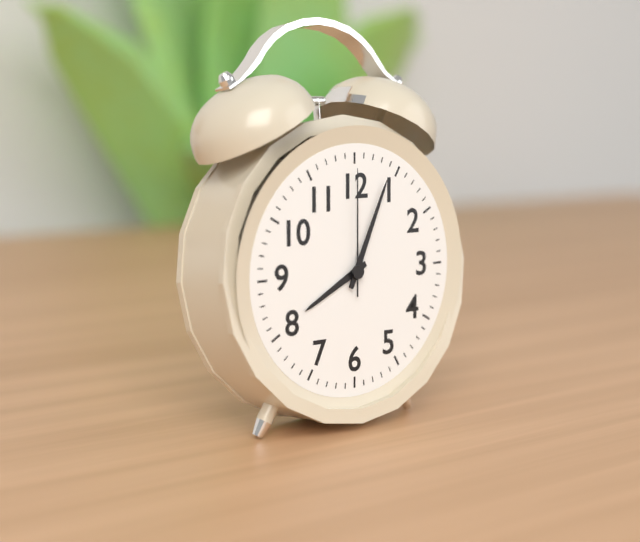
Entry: 8:04:00
